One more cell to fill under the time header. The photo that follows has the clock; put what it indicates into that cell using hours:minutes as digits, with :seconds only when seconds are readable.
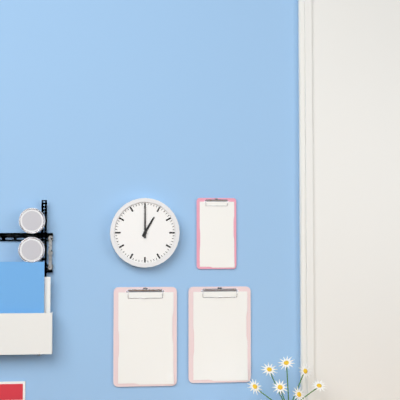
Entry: 1:00
